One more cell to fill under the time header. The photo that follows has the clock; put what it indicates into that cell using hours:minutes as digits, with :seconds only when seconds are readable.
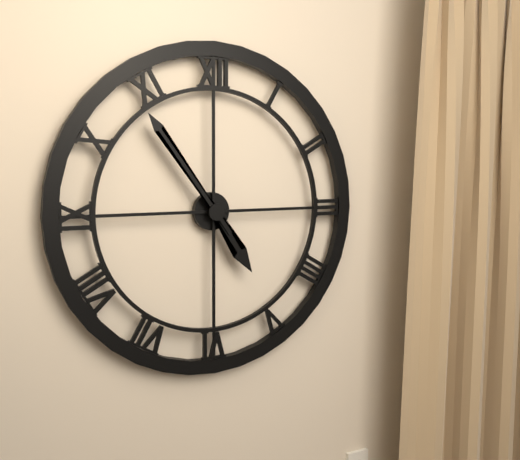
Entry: 4:54
